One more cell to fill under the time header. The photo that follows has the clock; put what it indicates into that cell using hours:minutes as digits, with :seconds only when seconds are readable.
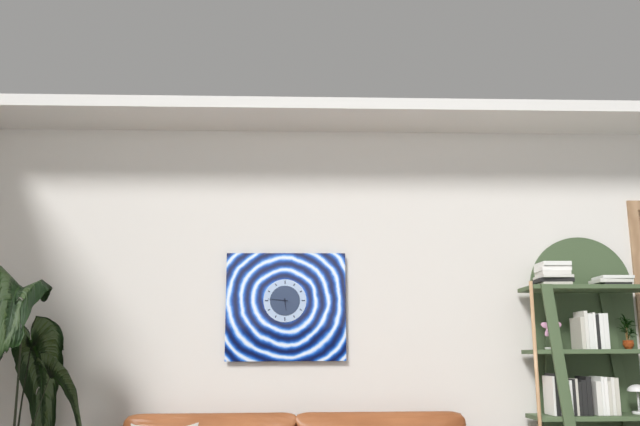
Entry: 5:46
